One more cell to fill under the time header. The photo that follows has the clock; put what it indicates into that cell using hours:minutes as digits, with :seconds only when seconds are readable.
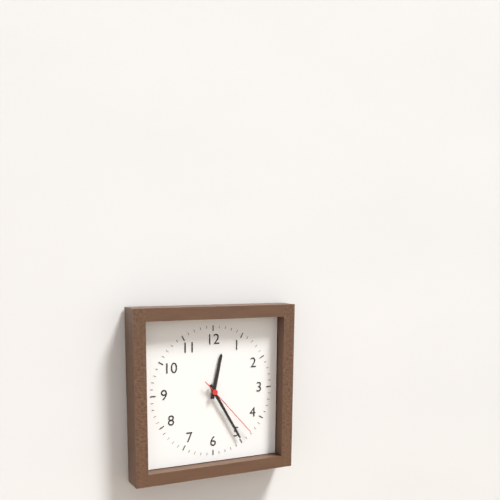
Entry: 12:25:23
